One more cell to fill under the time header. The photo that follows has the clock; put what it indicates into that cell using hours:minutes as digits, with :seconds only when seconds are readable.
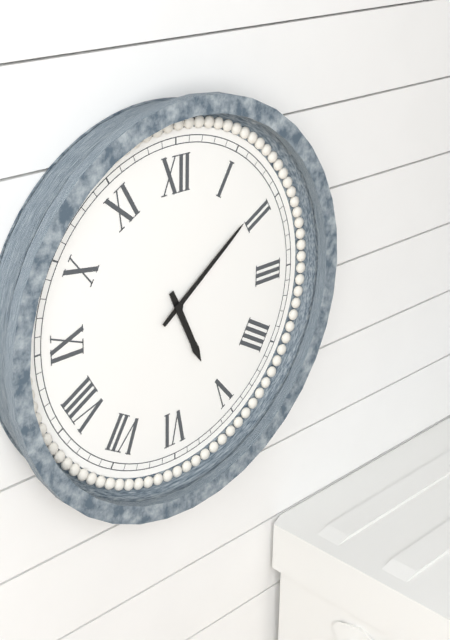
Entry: 5:09
